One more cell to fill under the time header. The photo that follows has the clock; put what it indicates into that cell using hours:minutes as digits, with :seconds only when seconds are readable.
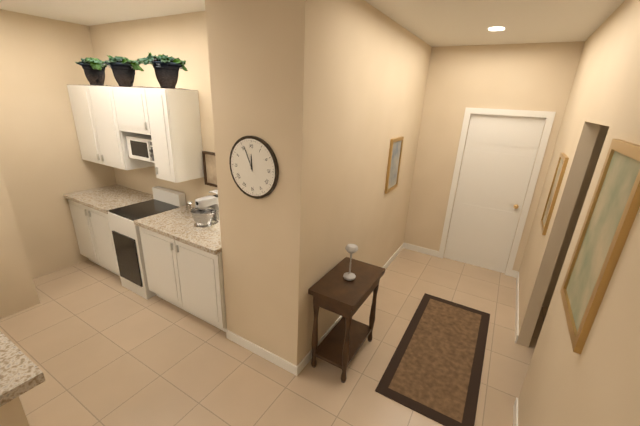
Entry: 11:56
